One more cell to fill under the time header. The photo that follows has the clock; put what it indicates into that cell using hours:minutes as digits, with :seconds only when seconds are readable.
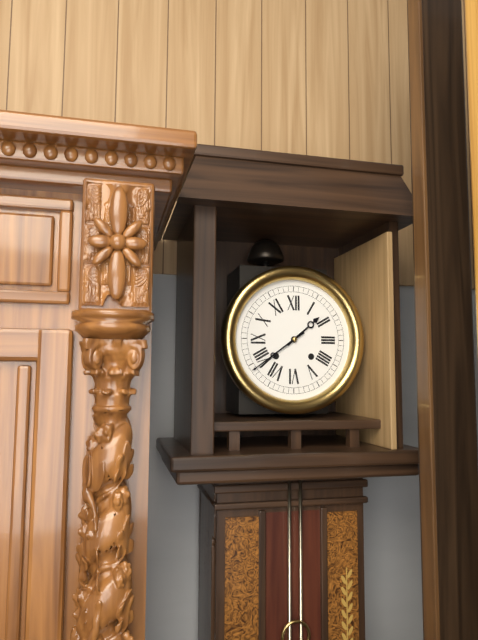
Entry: 1:39
